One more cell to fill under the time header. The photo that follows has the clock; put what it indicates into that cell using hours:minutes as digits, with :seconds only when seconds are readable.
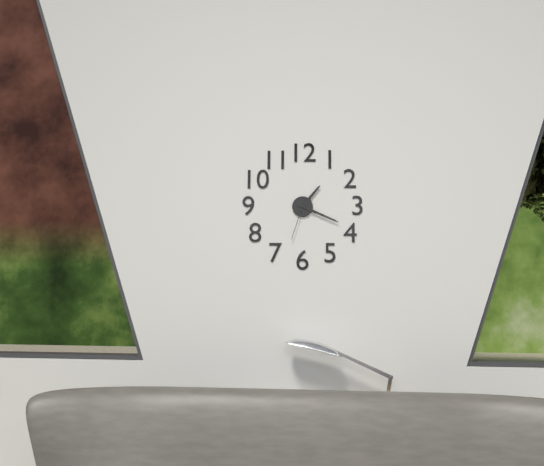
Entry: 1:19
